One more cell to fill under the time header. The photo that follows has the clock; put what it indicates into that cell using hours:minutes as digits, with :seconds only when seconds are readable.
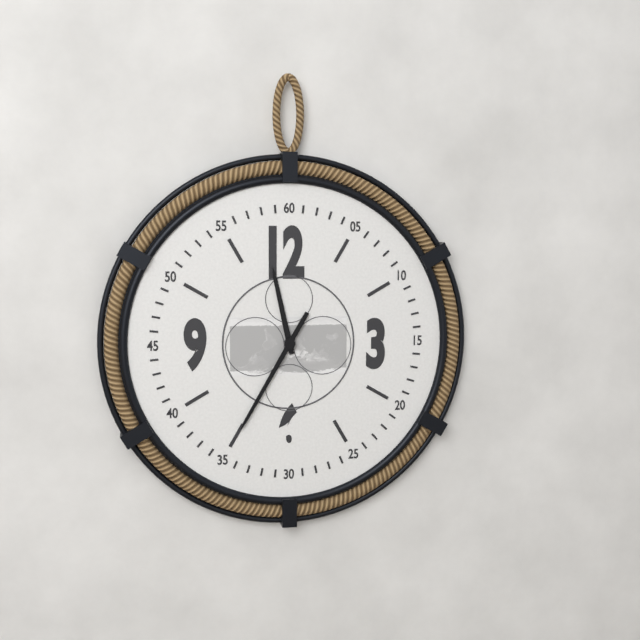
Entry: 11:35
